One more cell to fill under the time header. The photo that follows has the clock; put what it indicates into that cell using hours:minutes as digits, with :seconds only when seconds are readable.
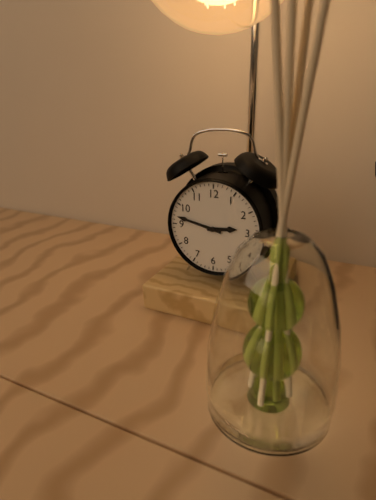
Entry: 2:47
